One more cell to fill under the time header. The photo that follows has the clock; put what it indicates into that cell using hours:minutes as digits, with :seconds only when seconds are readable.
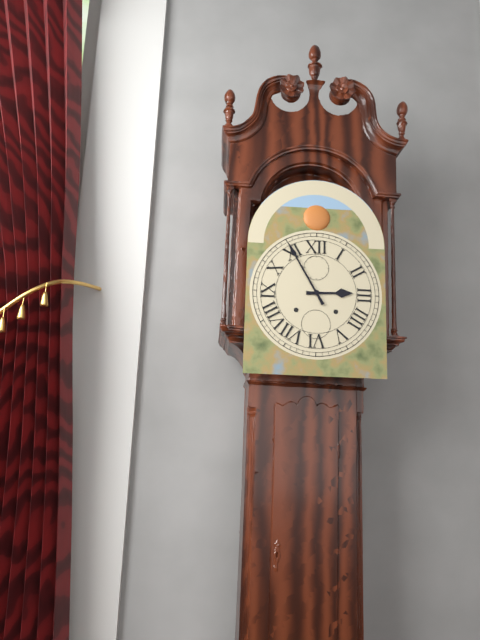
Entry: 2:55
